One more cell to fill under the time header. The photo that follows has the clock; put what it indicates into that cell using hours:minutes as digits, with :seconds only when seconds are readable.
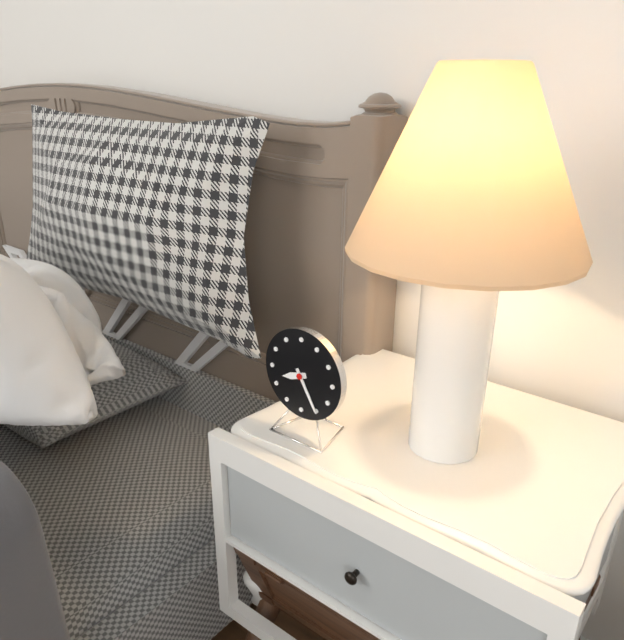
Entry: 8:25
